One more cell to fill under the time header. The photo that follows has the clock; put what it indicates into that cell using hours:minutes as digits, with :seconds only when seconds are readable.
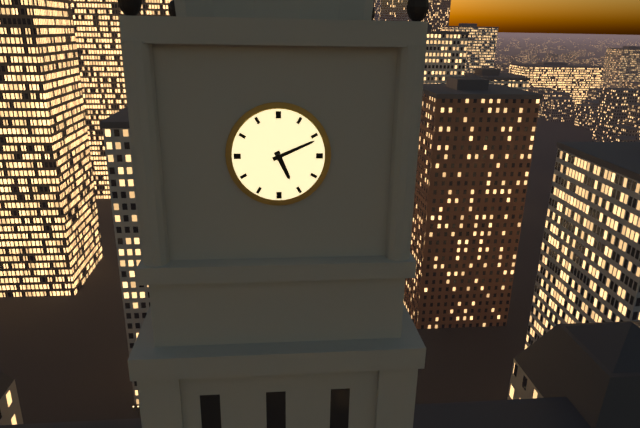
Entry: 5:11
